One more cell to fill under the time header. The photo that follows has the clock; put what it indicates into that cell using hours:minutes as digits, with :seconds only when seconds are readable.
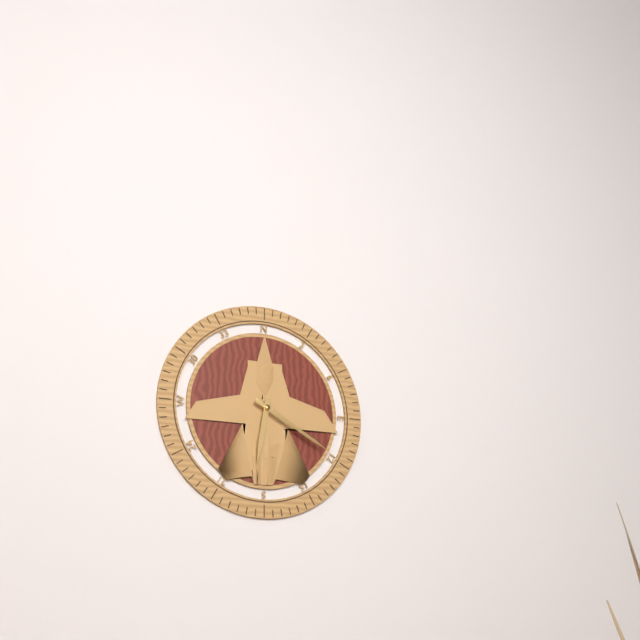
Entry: 6:20
